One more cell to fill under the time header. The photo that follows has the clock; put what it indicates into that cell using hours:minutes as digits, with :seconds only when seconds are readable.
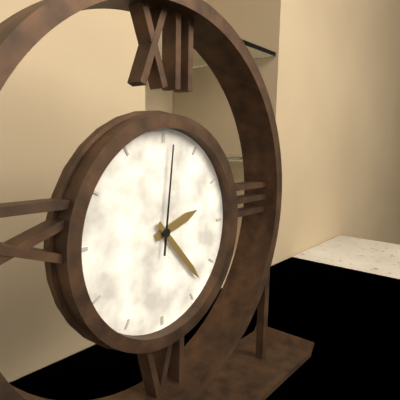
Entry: 2:23:01
